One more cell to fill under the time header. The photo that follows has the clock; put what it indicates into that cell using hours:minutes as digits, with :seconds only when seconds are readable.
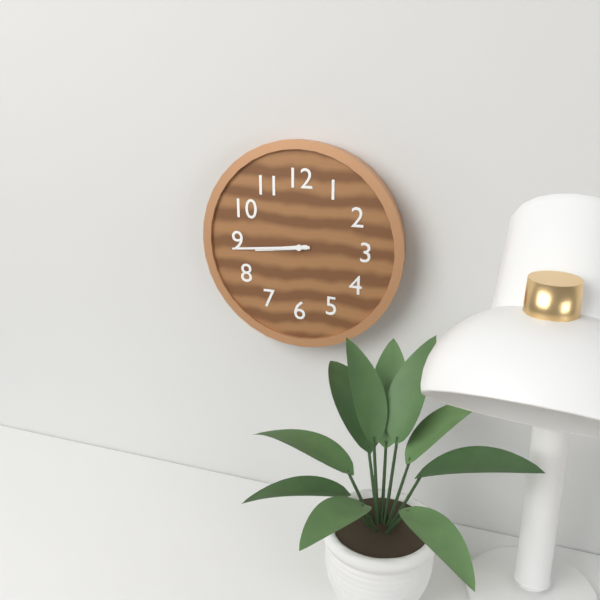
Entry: 8:44
